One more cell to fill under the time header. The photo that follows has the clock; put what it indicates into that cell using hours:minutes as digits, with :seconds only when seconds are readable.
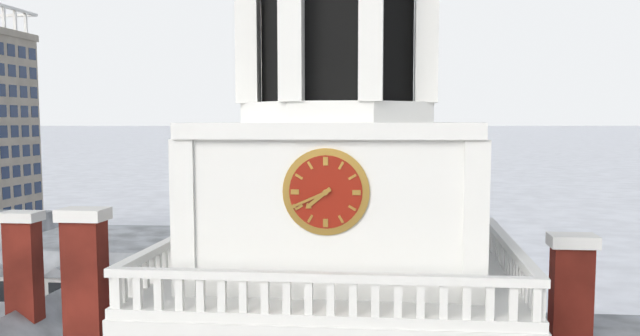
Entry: 7:41
